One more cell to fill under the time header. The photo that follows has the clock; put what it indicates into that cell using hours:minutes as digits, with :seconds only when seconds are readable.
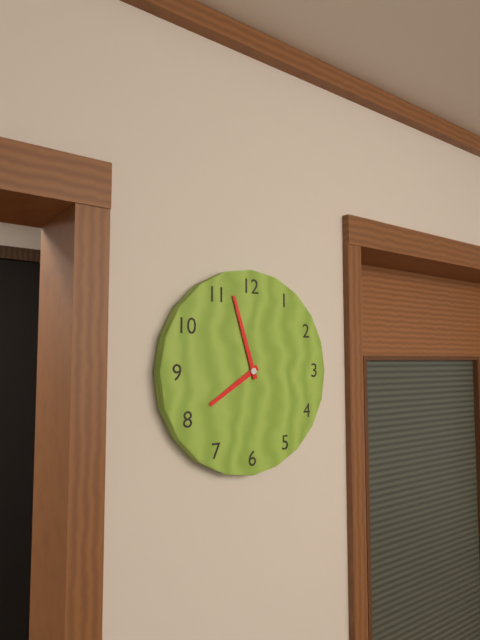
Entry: 7:57
